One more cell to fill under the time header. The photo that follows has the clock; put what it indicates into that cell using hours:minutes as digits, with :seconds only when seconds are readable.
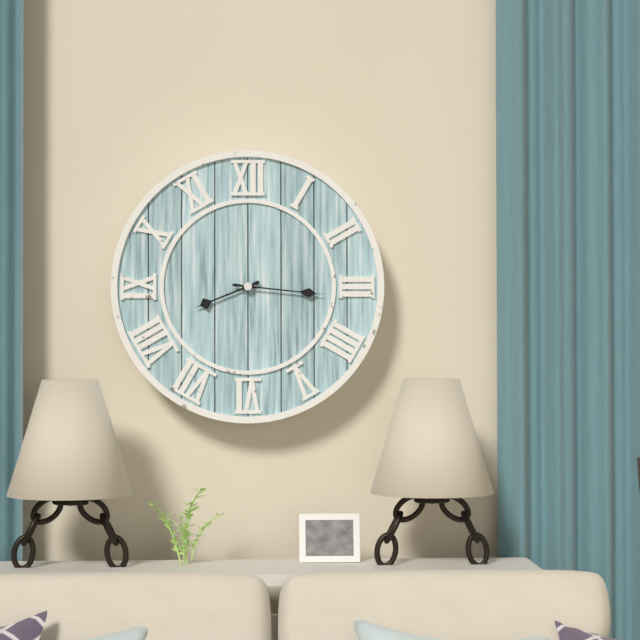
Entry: 8:16
